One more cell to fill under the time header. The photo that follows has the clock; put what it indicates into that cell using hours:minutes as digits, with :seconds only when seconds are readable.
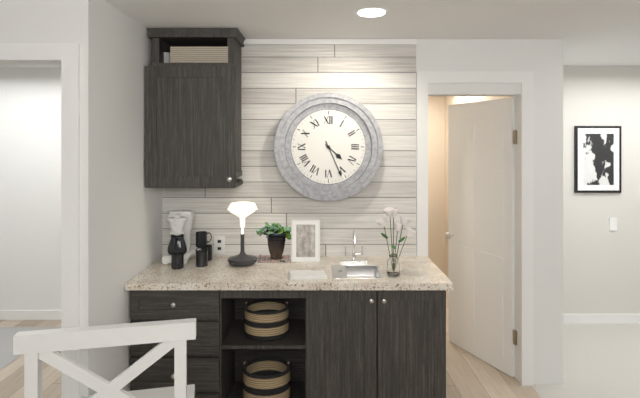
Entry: 4:26
